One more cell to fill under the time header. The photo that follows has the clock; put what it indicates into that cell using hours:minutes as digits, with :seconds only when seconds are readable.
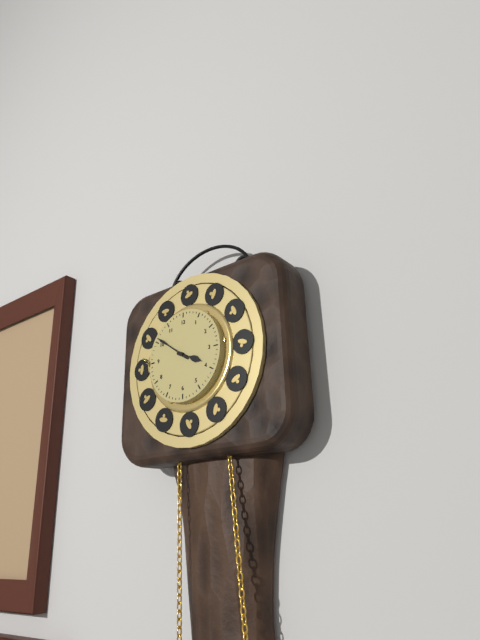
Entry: 3:51
